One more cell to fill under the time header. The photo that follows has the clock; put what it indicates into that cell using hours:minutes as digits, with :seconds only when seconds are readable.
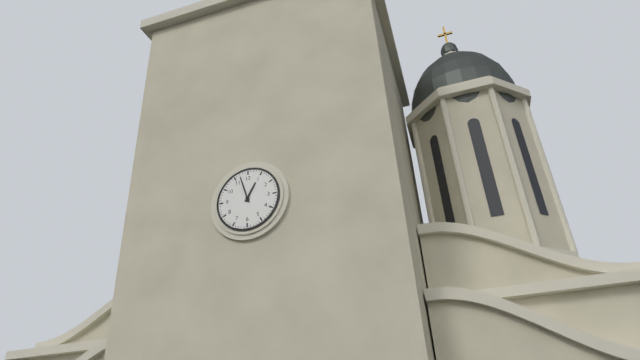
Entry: 12:57
